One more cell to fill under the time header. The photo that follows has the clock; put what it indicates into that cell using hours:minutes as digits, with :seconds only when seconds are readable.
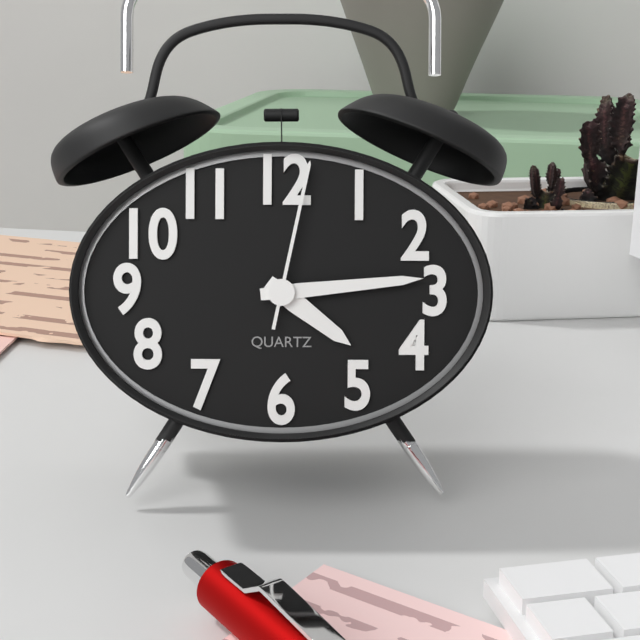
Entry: 4:14:02
